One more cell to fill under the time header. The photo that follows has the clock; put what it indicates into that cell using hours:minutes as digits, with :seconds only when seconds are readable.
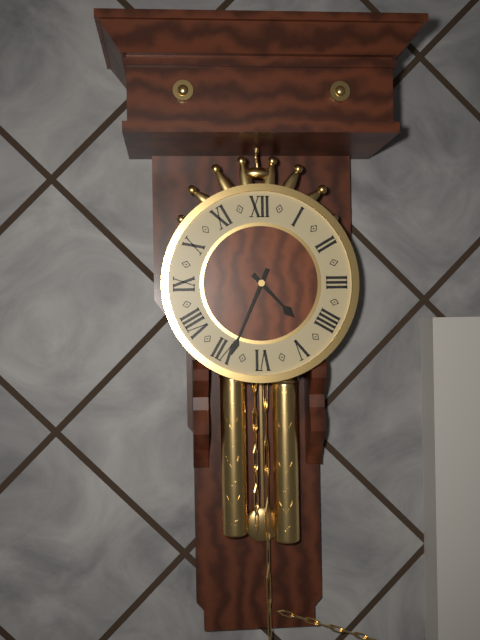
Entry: 4:34
